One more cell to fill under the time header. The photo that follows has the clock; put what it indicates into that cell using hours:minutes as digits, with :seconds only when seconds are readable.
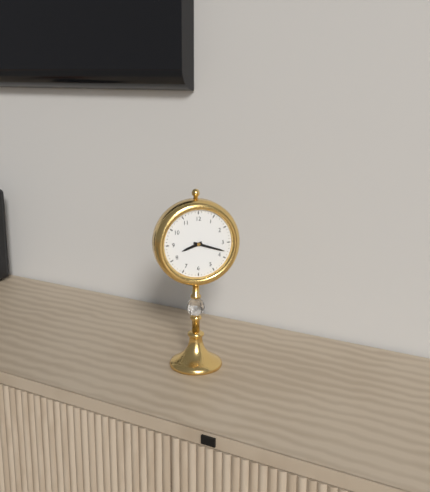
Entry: 8:18
